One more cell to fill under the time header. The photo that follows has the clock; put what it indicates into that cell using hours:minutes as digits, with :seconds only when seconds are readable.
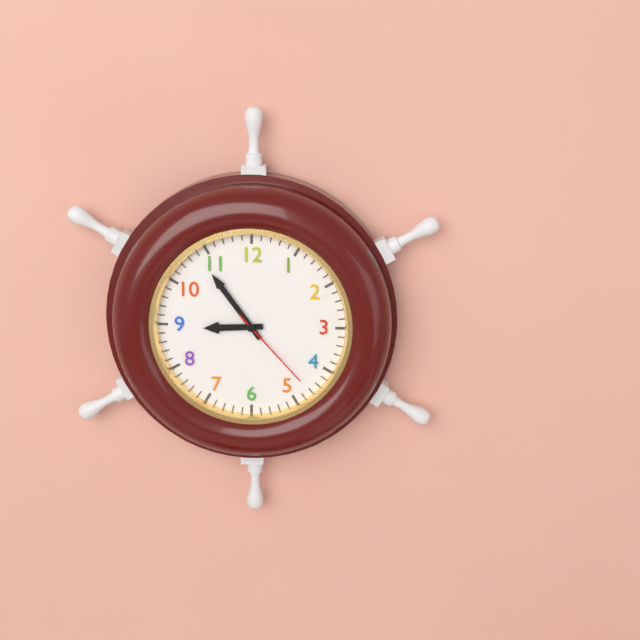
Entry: 8:54:23
